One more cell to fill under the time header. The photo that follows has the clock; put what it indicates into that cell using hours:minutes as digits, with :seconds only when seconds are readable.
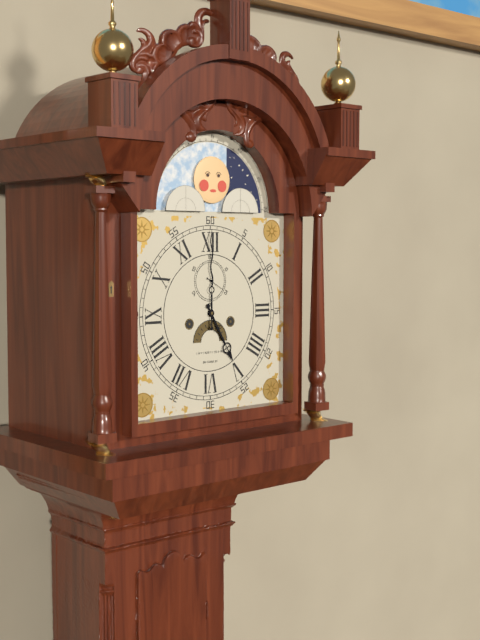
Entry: 5:00
